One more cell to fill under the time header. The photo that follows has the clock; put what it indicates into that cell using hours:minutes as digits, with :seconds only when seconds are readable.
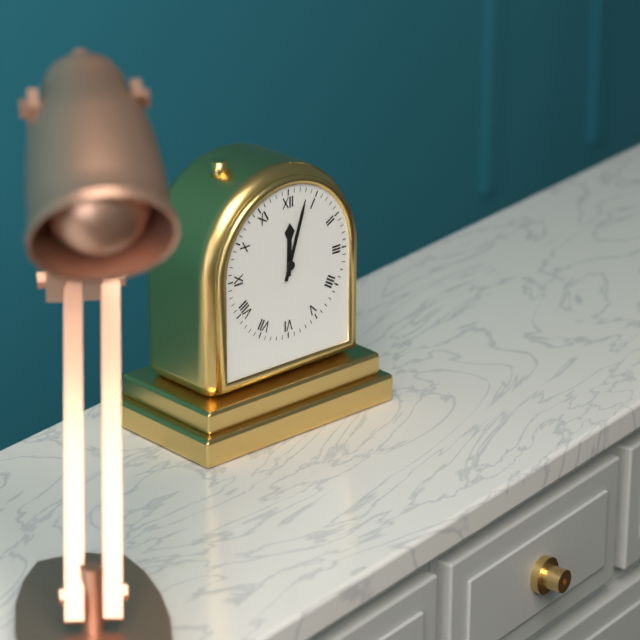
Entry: 12:03
